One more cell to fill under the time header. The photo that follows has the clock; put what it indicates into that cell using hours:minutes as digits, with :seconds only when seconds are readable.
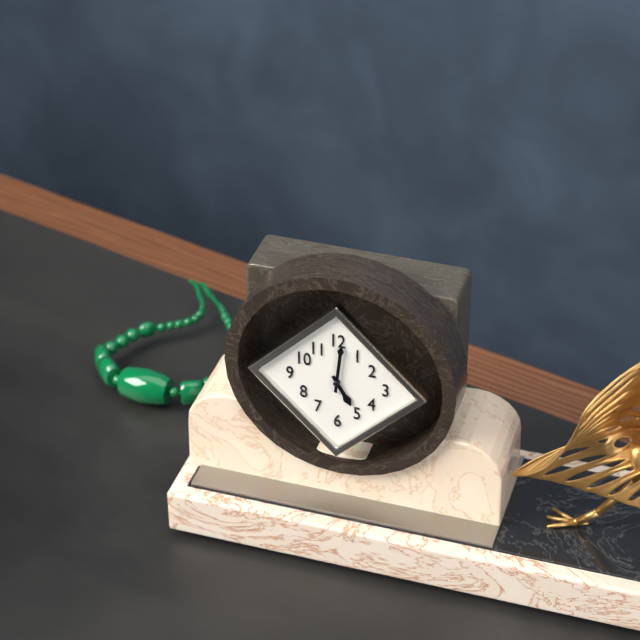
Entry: 5:01
